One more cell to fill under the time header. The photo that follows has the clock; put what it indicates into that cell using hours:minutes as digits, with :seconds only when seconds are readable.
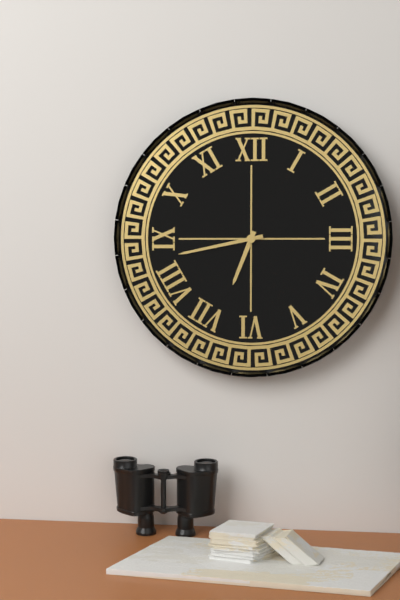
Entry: 6:43
